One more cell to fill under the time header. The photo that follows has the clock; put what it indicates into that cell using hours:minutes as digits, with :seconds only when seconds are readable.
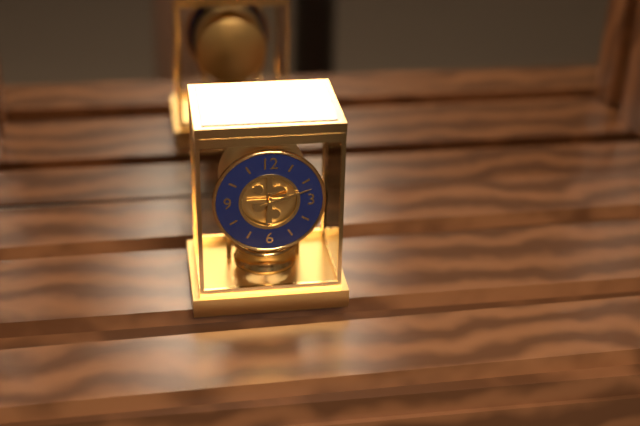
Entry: 6:12
